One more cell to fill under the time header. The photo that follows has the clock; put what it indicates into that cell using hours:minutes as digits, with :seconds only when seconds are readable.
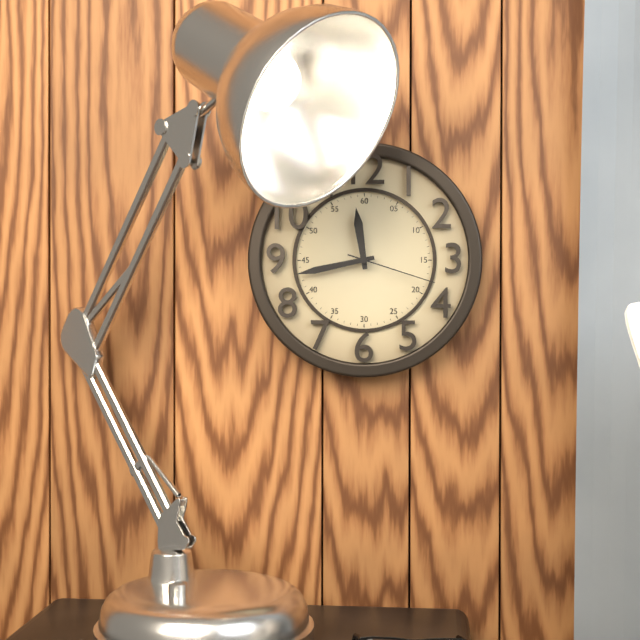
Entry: 11:43:18
